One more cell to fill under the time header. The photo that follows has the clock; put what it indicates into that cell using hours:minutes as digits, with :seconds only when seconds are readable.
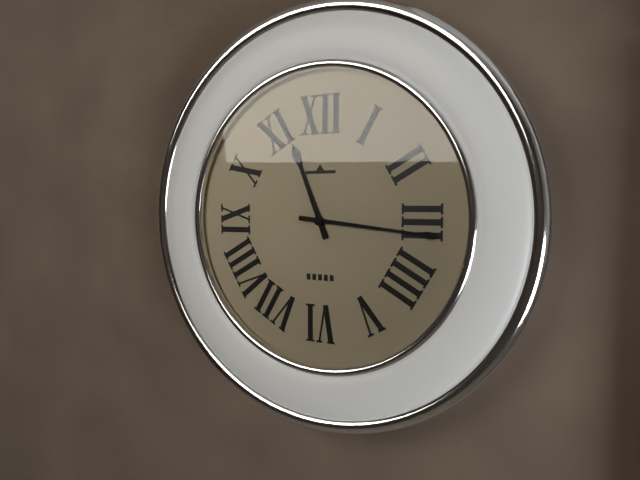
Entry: 11:16
